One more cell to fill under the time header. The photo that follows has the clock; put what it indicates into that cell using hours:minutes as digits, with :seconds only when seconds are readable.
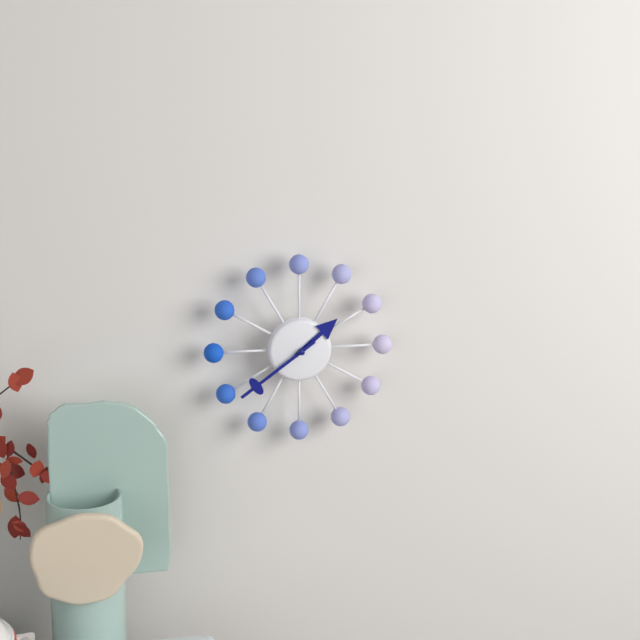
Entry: 1:39
